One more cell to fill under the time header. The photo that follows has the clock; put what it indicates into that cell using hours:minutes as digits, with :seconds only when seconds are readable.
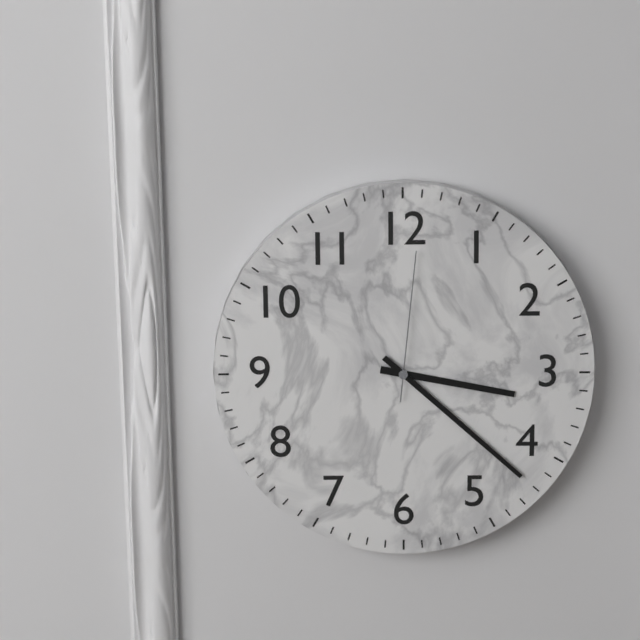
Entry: 3:22:01
